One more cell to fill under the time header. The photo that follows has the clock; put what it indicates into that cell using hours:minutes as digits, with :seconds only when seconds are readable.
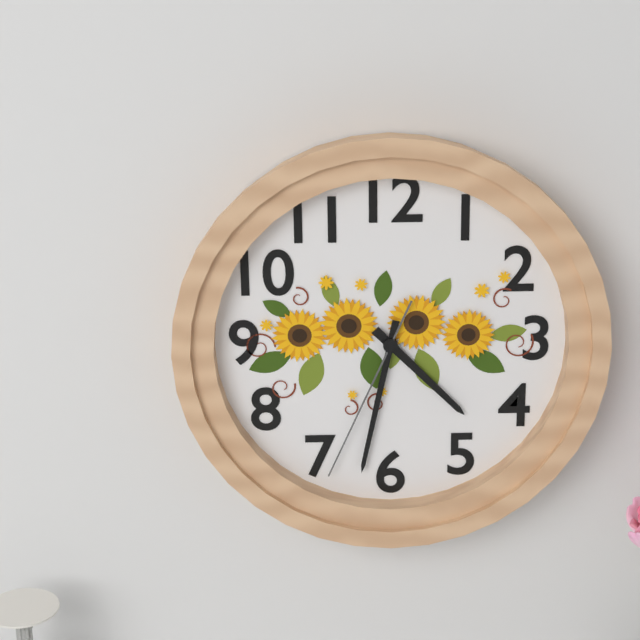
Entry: 4:32:34
